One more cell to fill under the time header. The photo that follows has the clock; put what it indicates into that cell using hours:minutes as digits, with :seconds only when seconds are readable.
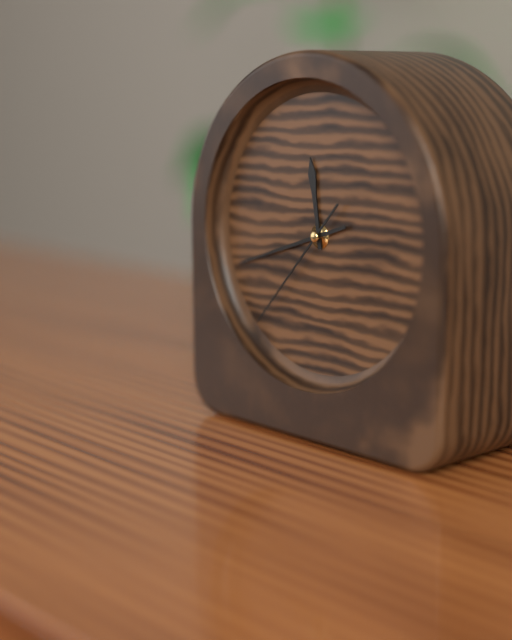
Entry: 11:42:37
